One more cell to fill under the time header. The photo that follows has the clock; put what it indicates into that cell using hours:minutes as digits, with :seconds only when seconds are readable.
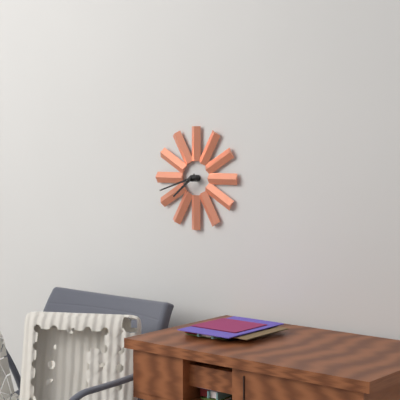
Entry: 7:42
